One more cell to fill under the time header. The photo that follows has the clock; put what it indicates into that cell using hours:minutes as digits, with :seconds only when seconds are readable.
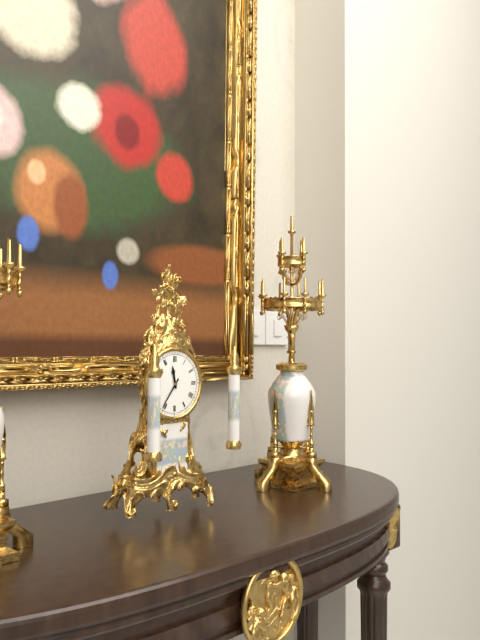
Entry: 11:36
